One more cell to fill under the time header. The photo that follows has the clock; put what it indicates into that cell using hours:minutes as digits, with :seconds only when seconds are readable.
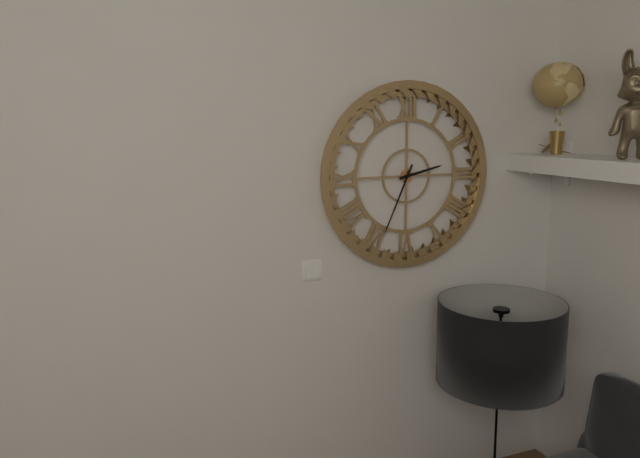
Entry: 2:34
